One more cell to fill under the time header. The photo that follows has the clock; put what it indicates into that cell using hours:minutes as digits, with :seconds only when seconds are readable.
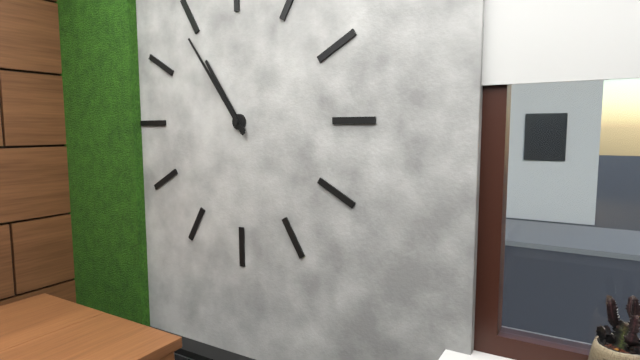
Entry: 10:54
